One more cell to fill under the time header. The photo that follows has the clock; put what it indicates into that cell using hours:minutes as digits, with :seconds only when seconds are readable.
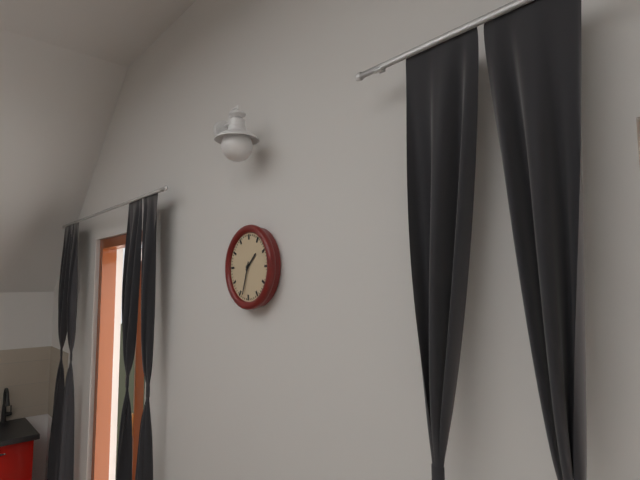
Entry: 1:33
